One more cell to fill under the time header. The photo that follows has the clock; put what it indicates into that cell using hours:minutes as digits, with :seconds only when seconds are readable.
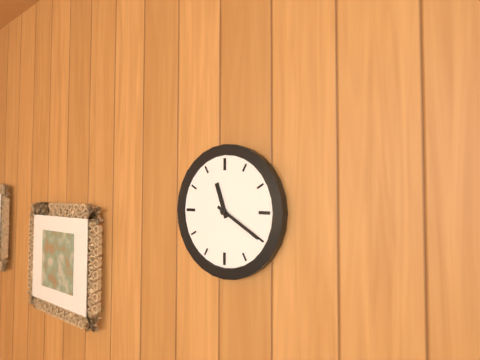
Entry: 11:20
